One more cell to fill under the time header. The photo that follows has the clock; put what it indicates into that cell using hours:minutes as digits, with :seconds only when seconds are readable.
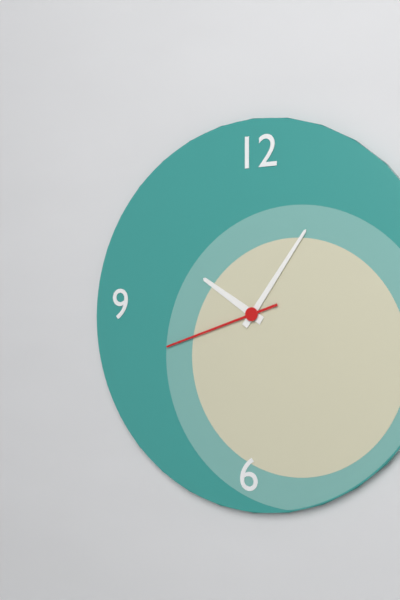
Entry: 10:06:42
